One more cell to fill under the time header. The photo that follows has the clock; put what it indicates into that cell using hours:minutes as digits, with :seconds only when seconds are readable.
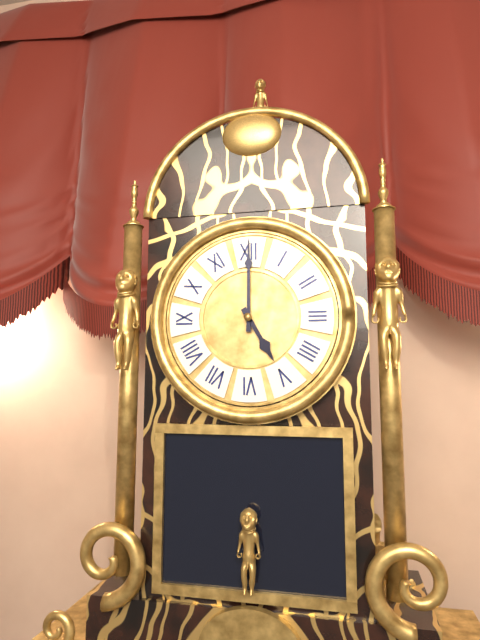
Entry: 5:00
